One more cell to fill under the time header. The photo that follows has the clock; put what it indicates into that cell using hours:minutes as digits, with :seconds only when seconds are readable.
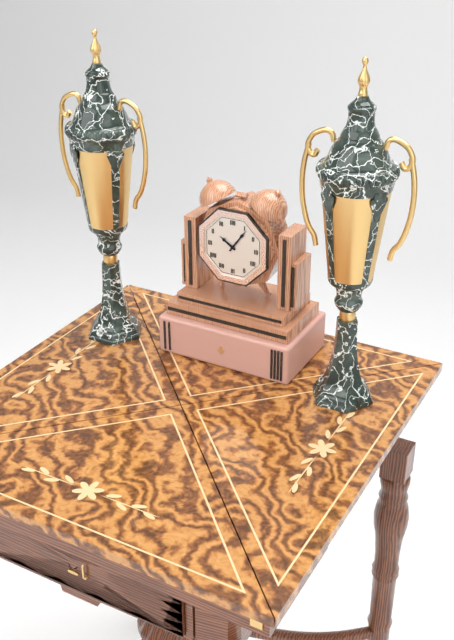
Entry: 10:06
